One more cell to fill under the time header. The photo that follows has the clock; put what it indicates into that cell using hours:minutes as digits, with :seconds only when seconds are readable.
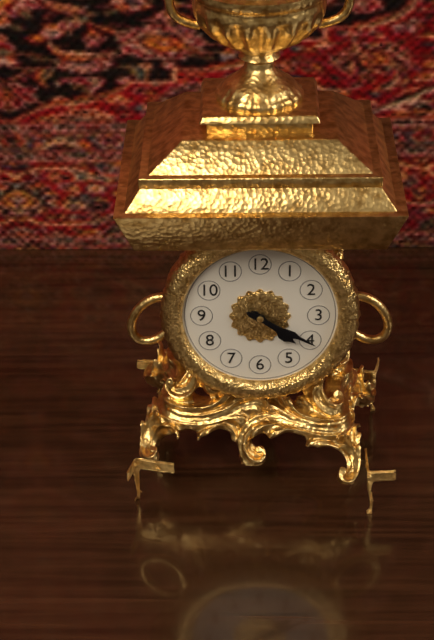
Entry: 4:20
